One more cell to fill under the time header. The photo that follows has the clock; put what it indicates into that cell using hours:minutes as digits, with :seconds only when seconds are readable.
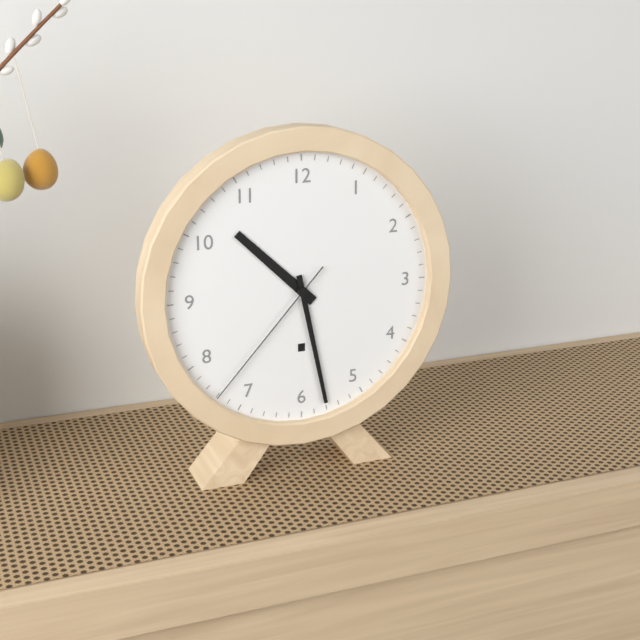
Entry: 10:28:37
